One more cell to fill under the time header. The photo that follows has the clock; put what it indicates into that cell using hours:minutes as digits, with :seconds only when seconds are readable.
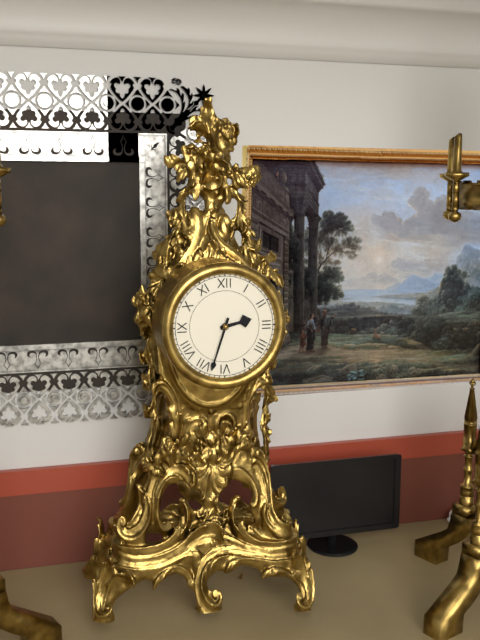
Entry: 2:33
